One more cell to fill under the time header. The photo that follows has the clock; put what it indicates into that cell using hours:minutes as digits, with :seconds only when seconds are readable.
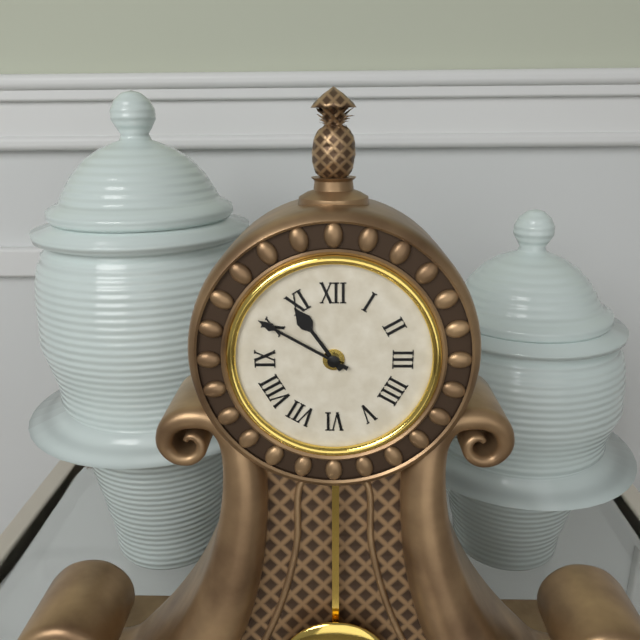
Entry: 10:50
